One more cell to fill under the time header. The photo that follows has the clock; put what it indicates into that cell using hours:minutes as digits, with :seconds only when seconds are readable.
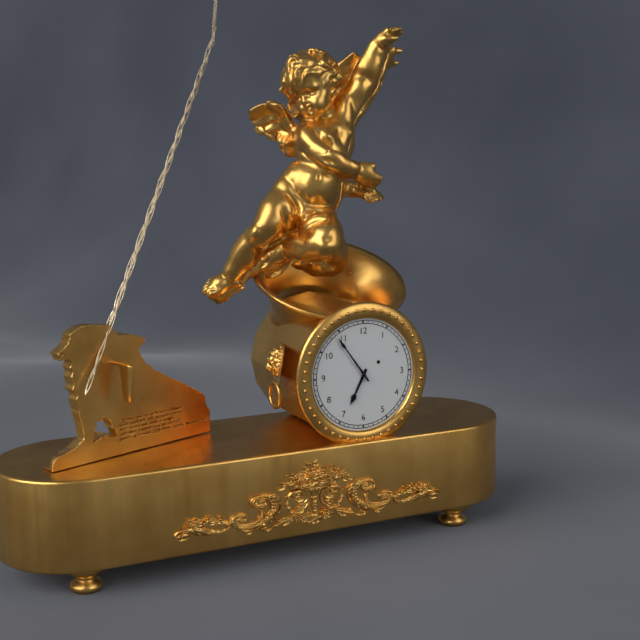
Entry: 6:54
